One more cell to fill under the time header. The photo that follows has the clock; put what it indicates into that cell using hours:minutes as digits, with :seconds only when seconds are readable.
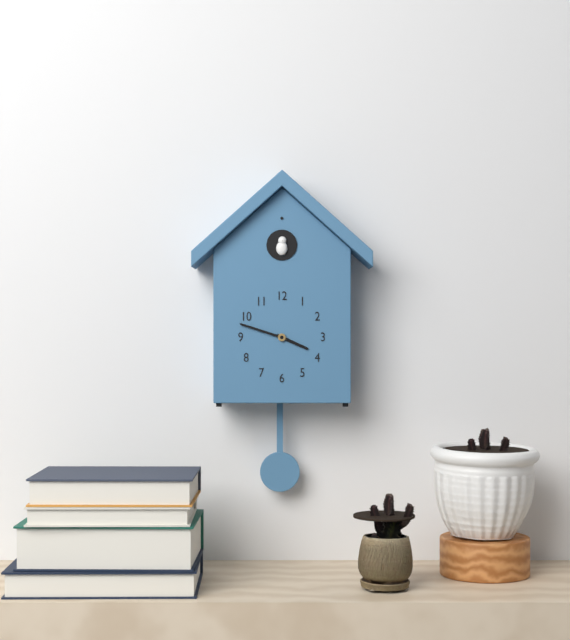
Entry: 3:48
